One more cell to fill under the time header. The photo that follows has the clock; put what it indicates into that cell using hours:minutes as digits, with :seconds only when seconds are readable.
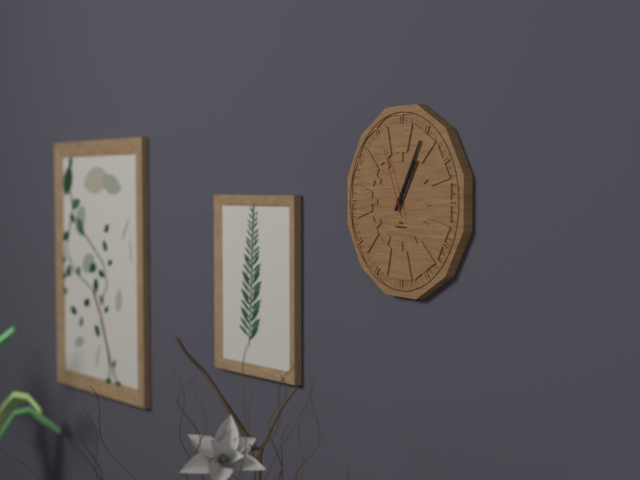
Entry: 1:05:56
